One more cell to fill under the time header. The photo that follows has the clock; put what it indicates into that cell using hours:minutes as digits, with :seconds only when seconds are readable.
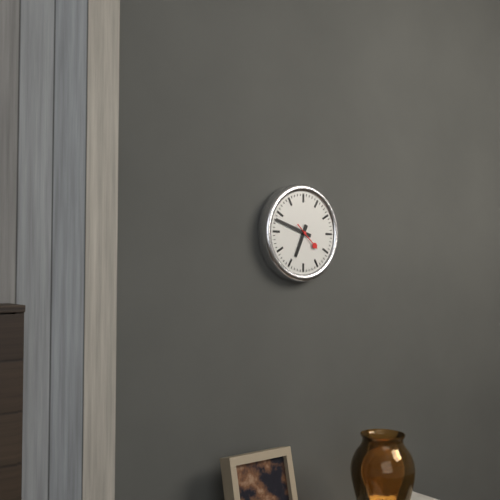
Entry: 6:48
